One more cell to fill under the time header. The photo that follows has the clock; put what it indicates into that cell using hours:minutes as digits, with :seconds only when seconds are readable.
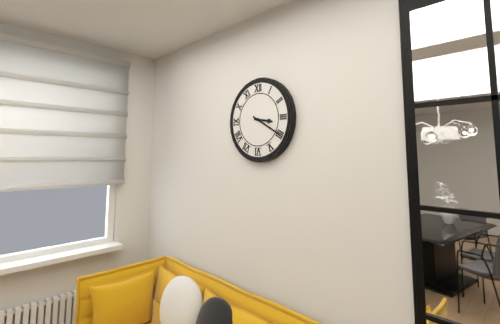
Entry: 3:20
